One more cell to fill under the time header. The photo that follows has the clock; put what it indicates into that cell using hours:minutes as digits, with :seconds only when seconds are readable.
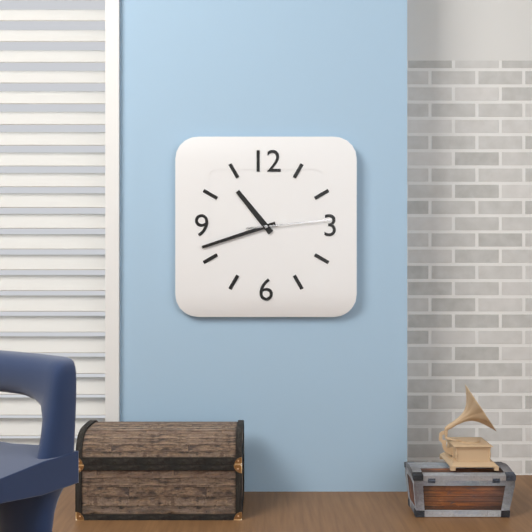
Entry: 10:42:14
